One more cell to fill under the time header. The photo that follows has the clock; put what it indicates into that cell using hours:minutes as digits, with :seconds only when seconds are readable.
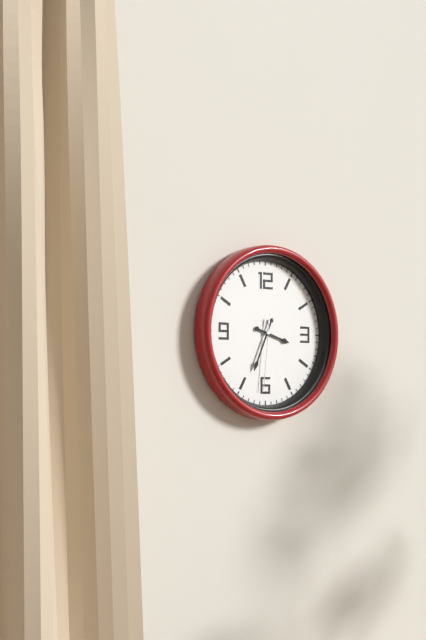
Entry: 3:34:31
